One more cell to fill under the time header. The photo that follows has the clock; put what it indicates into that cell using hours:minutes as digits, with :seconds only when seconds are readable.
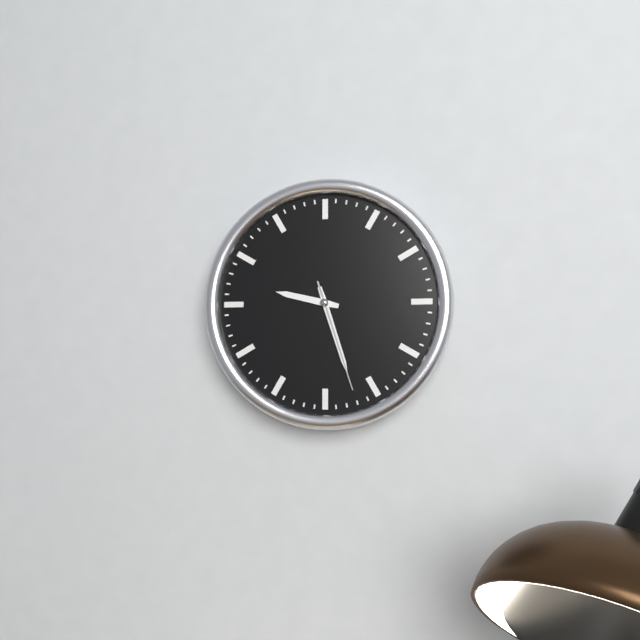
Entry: 9:27:27
